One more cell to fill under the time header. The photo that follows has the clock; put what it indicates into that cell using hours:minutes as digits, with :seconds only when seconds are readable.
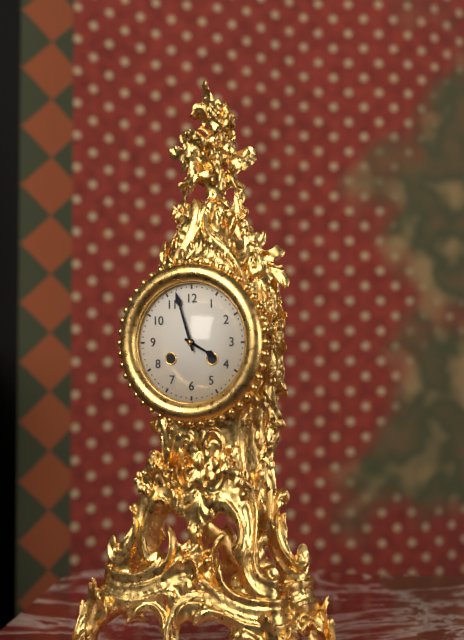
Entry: 3:57
